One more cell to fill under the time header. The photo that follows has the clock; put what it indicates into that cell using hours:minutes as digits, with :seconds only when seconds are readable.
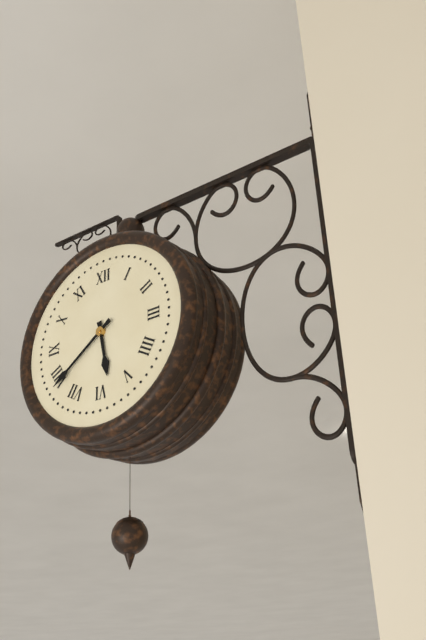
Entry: 5:39
